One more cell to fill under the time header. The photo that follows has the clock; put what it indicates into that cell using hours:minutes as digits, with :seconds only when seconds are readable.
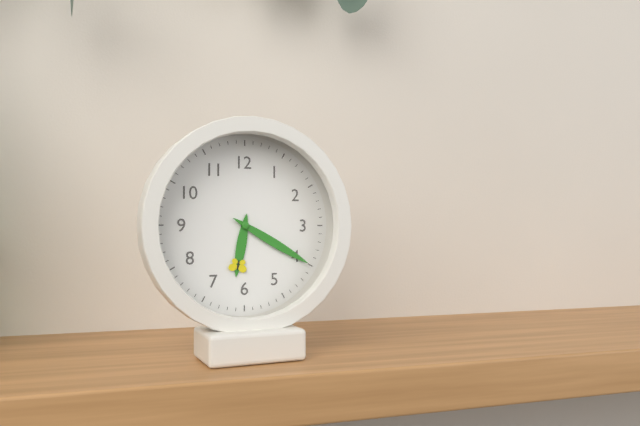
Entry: 6:20
